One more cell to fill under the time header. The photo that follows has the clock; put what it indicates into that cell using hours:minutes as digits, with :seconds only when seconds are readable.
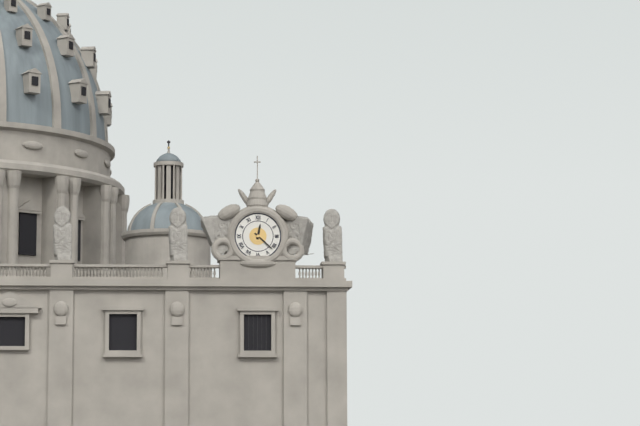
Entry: 12:22
